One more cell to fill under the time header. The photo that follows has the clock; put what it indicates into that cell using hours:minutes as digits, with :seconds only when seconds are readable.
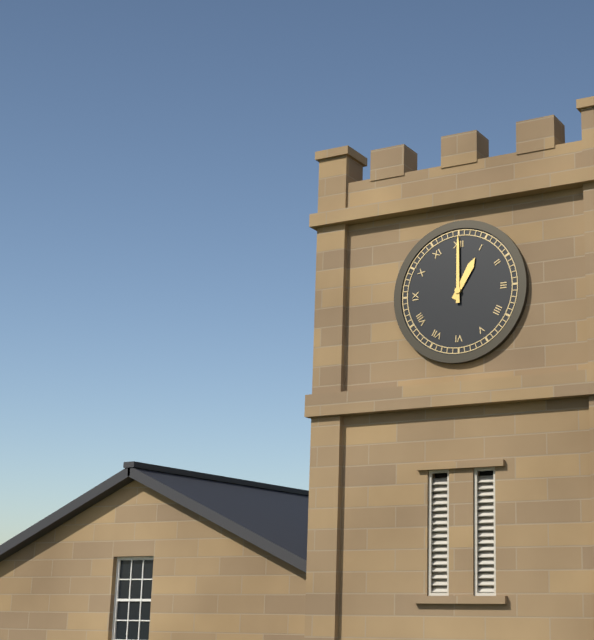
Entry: 1:00
